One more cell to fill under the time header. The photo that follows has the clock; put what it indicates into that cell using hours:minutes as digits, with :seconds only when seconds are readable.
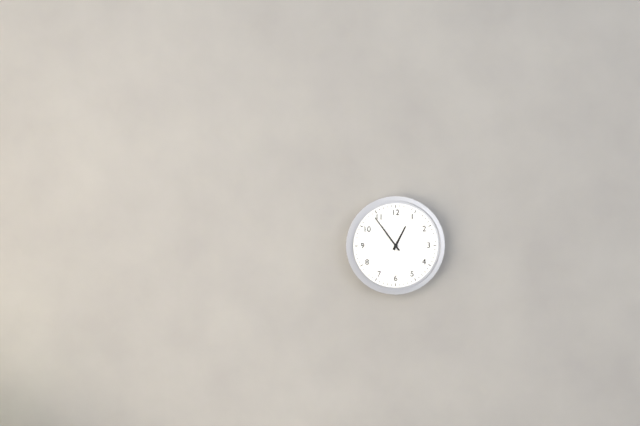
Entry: 12:54
